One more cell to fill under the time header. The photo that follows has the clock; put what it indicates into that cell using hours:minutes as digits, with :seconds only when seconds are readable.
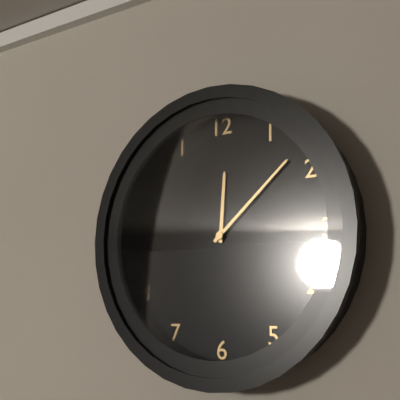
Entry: 12:08
